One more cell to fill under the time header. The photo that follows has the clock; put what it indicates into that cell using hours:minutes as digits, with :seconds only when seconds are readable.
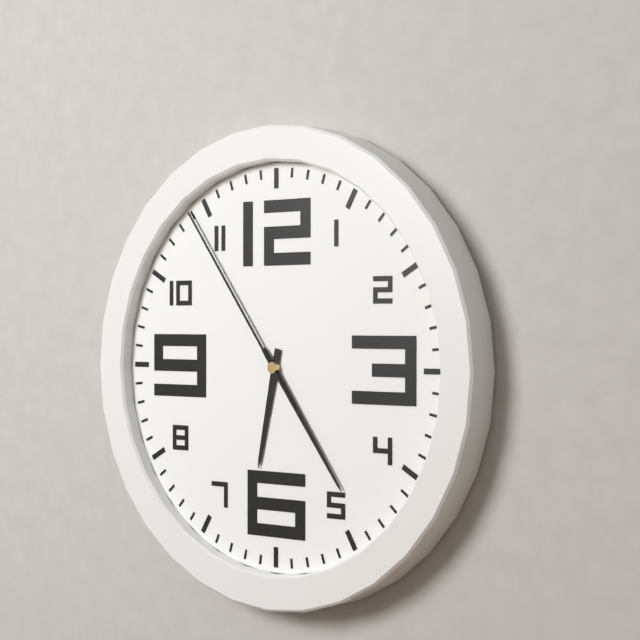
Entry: 6:24:54
